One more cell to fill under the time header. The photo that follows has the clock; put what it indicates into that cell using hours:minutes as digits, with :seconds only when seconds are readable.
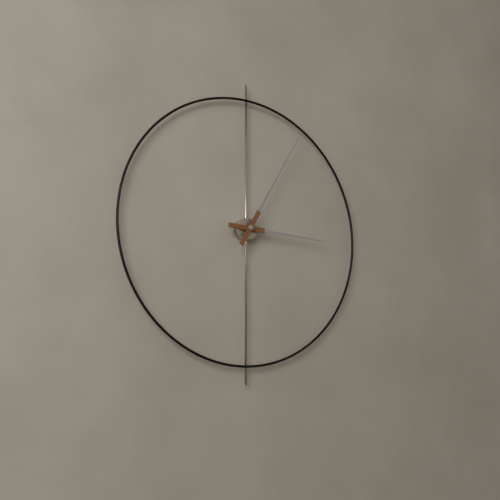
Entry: 3:05
